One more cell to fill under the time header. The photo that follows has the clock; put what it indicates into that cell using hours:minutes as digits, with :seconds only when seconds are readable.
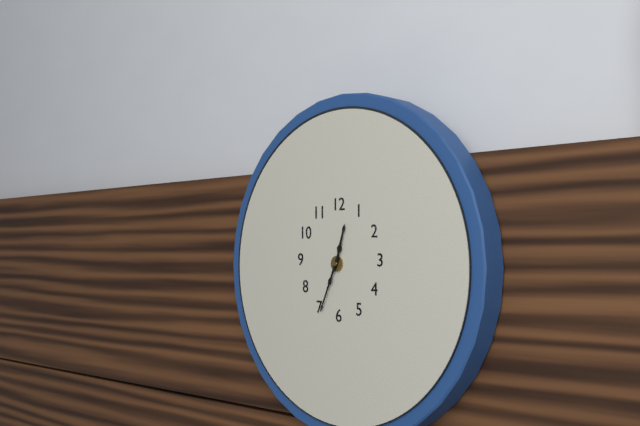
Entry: 12:34
